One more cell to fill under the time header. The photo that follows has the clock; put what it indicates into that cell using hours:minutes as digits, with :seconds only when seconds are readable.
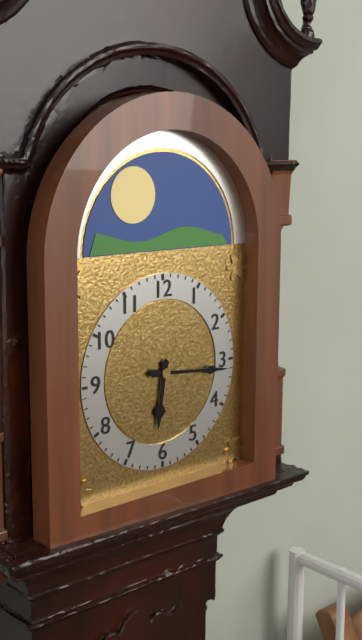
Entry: 6:16
